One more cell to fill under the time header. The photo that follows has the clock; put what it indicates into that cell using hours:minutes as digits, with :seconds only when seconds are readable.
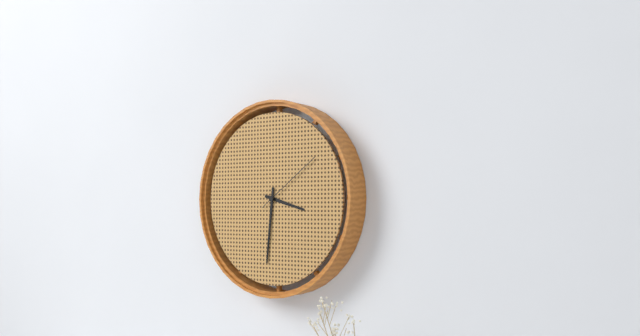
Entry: 3:31:09
